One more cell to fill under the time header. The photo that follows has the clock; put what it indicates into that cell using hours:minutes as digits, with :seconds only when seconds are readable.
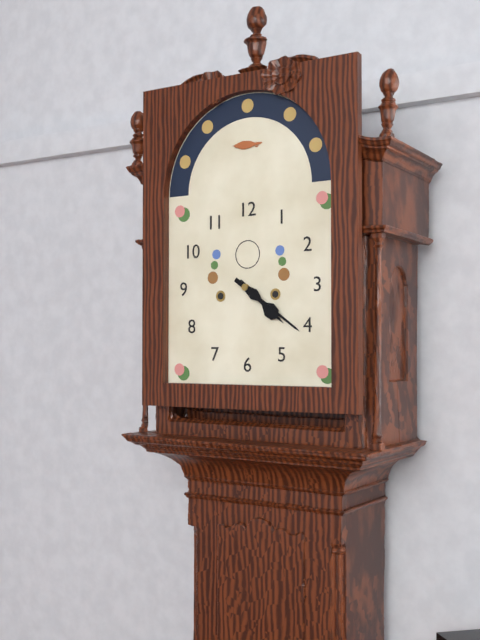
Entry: 4:21
